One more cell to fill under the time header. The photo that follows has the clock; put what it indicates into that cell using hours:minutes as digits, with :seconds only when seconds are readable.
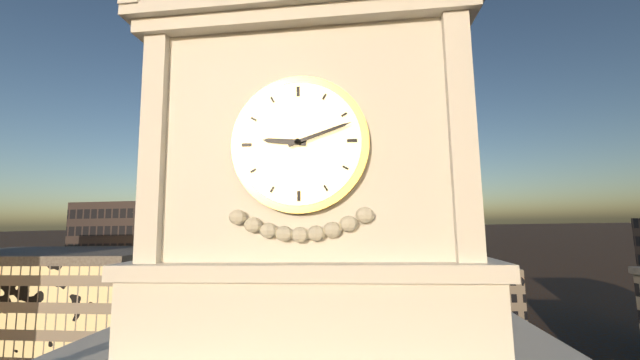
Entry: 9:12
